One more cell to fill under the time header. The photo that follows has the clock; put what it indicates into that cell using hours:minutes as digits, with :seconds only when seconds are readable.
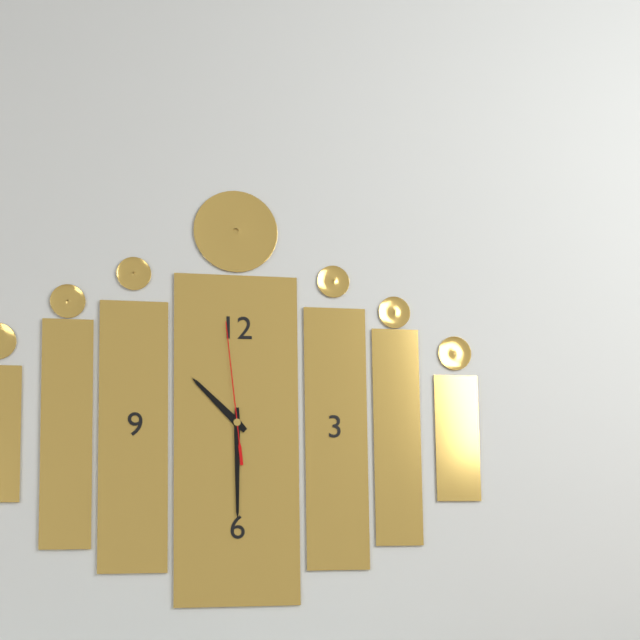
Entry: 10:30:59
